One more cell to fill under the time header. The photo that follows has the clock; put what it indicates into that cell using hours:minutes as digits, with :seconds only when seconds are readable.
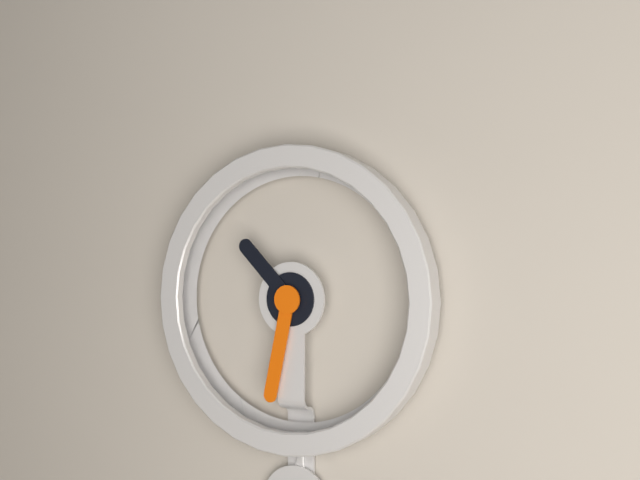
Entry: 10:32
